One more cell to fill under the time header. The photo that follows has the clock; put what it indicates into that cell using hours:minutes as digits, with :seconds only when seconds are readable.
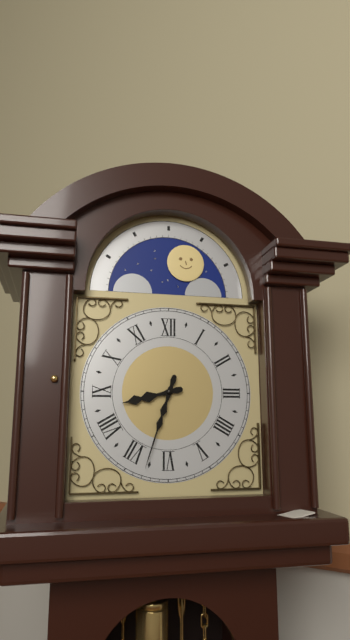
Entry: 8:33
